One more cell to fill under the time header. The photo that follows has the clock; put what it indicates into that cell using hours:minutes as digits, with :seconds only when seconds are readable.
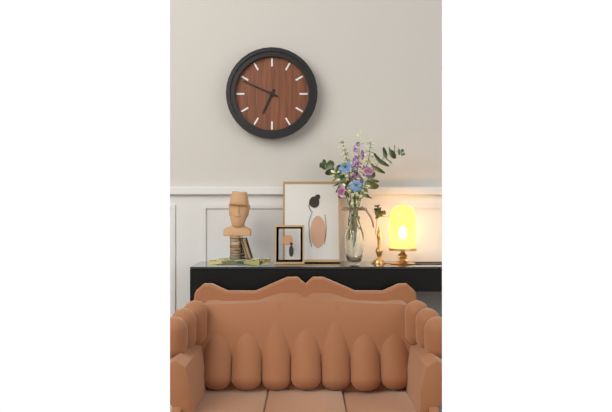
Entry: 6:49
